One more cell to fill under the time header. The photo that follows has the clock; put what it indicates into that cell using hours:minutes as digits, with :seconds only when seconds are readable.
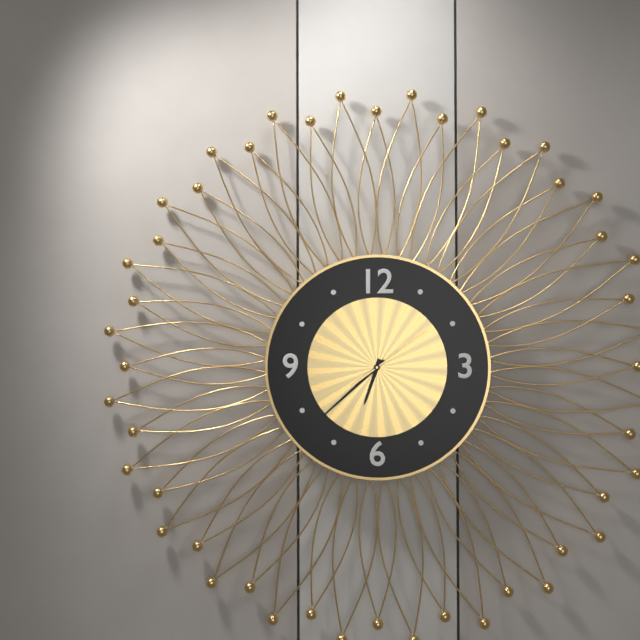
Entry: 6:38:09
